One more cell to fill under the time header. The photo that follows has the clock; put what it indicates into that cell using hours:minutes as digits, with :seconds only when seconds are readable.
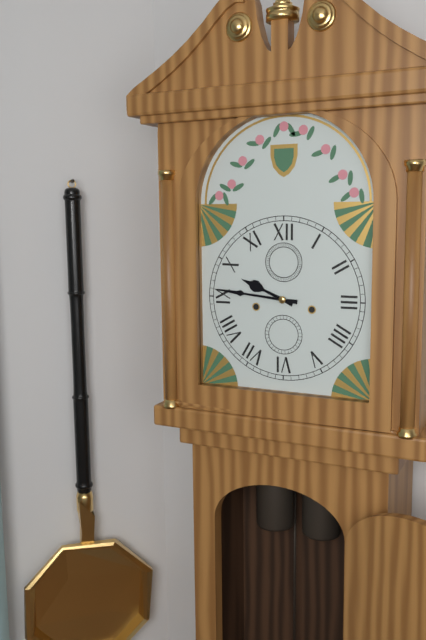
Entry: 9:46
